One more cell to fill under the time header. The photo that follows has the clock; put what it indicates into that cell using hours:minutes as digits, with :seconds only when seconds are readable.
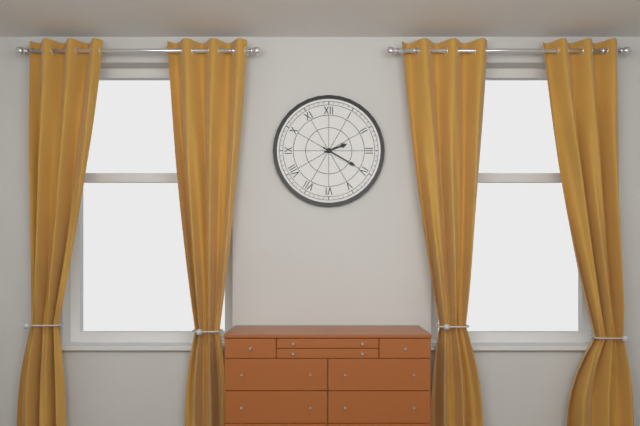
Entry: 2:20
